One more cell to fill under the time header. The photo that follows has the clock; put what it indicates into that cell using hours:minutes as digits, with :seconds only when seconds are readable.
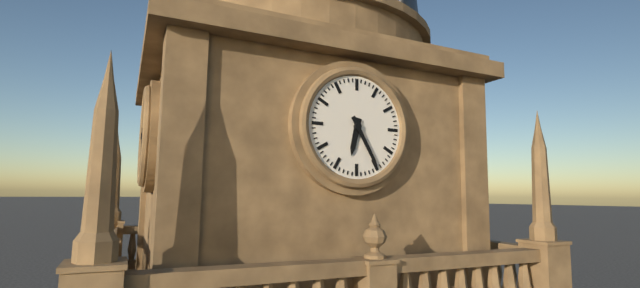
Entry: 6:25
